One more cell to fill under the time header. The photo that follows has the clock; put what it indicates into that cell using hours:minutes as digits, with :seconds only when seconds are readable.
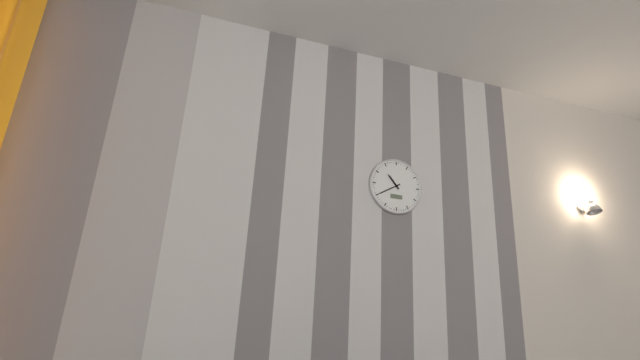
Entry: 10:40
